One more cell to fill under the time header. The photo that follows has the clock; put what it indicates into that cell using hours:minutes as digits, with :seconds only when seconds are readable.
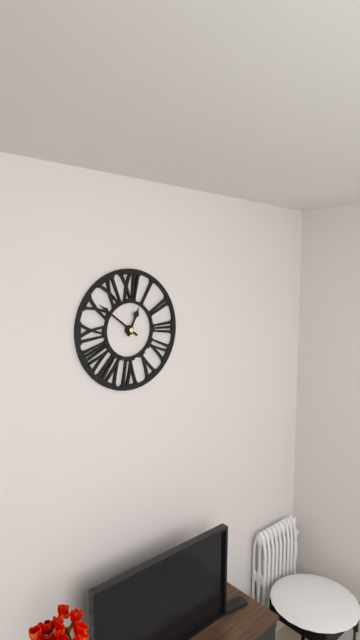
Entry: 12:51
